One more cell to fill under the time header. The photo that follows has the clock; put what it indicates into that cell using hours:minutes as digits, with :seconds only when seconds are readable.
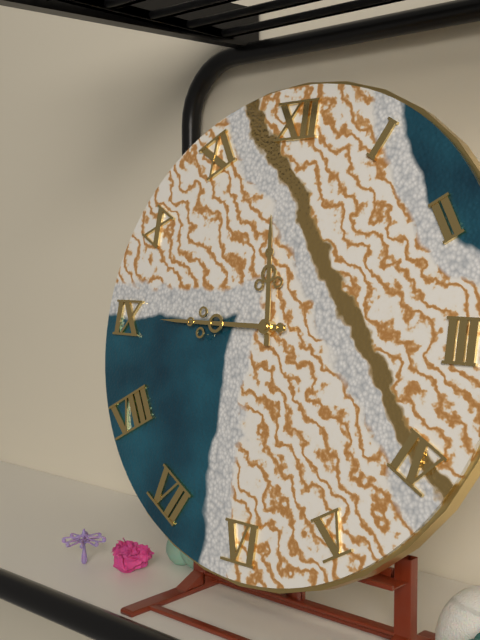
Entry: 11:45
